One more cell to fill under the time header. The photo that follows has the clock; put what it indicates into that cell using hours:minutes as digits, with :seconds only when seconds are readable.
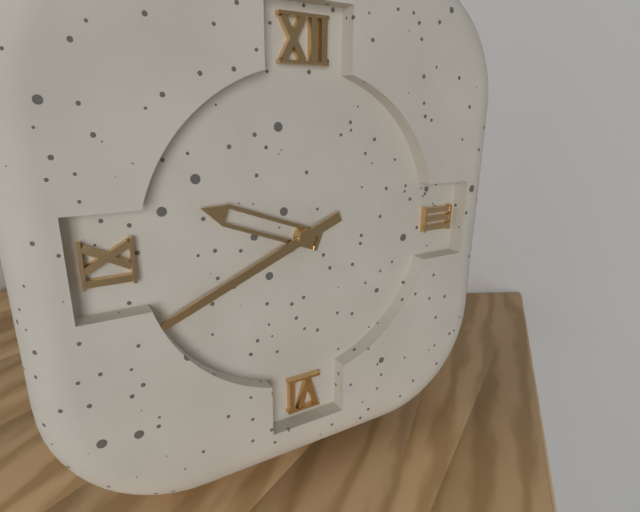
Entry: 9:41
